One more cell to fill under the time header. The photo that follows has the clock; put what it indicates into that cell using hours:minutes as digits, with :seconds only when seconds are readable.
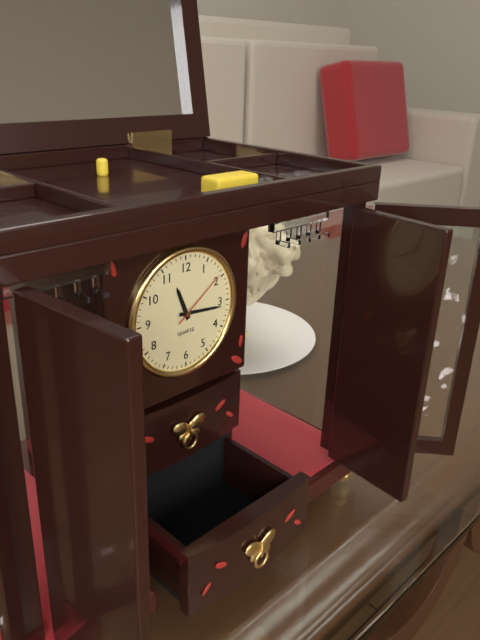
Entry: 11:16:09
